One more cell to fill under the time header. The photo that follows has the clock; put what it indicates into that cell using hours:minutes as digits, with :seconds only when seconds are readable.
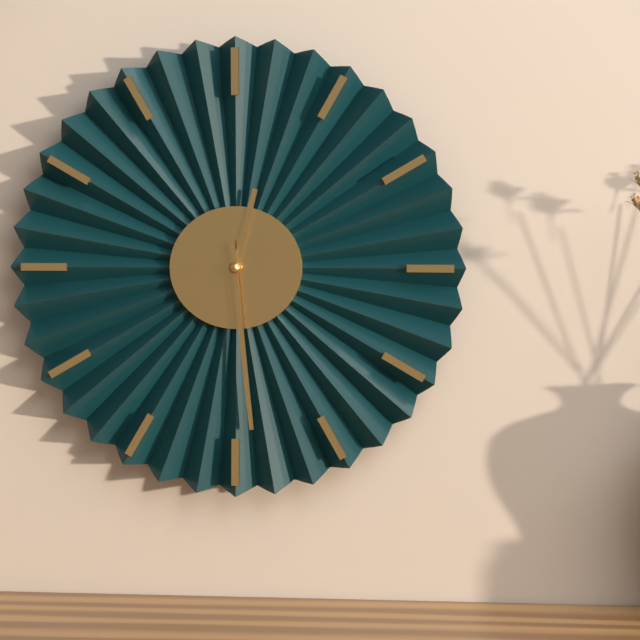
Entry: 12:29
